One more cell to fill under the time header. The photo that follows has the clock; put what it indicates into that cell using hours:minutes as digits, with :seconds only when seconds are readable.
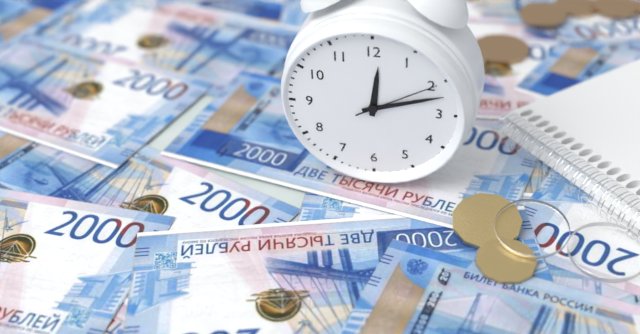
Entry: 12:12:10
